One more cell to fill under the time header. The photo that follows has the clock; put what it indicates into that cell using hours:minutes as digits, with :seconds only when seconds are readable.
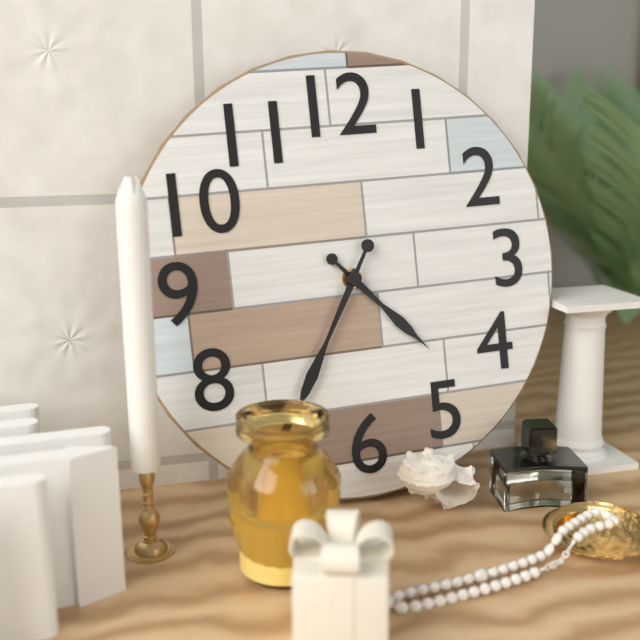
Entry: 4:35
